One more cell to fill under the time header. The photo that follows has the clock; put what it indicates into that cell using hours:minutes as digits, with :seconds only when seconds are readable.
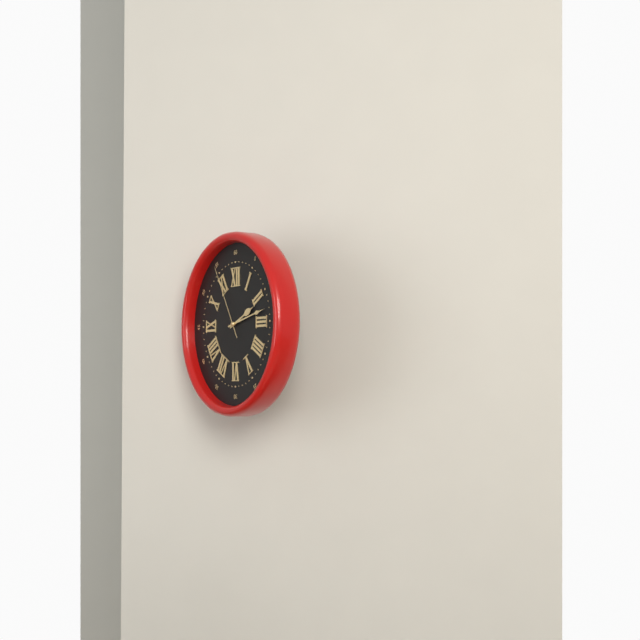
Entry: 2:13:55
